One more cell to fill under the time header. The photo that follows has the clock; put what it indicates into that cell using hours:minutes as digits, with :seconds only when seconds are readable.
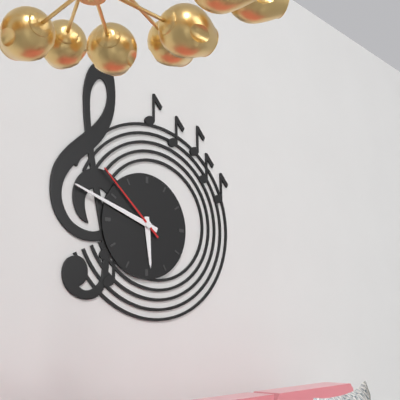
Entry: 5:48:52
